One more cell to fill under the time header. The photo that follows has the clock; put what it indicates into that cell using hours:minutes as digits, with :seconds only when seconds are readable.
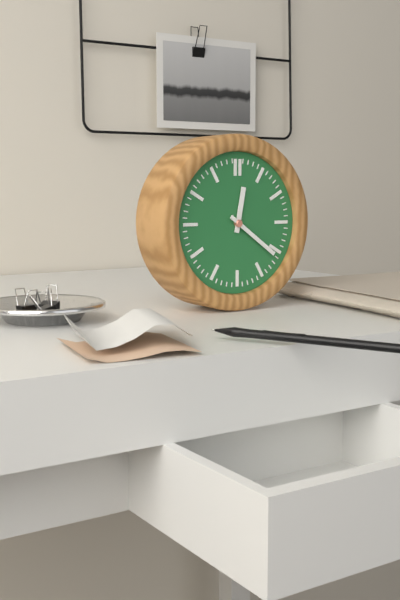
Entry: 12:21
